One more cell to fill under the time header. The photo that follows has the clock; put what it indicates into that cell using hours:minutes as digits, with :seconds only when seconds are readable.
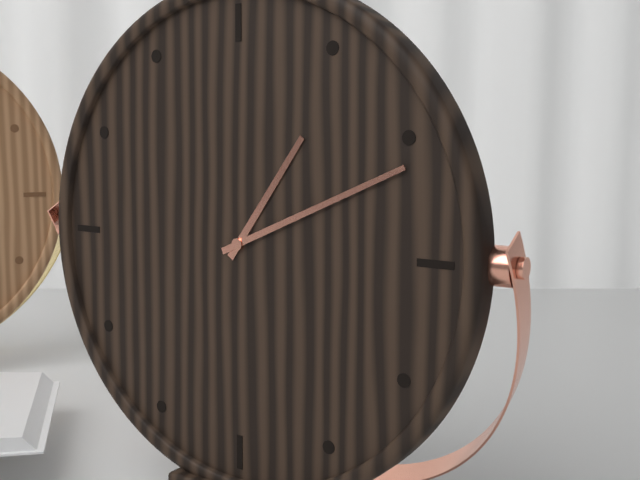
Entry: 1:11
